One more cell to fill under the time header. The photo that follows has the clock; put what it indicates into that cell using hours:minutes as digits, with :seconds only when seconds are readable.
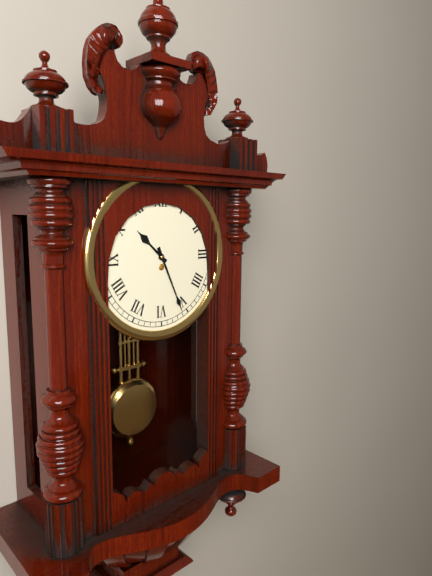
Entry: 10:26
